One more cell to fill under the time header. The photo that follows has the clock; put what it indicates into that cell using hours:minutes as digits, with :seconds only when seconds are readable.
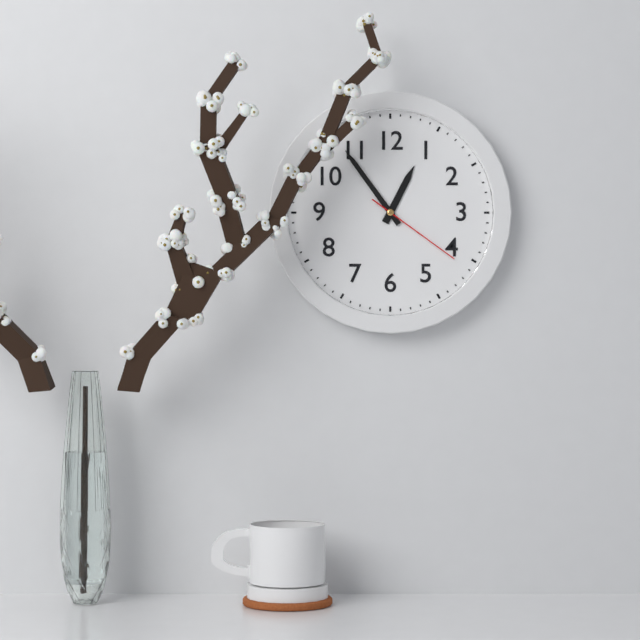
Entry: 12:54:21
